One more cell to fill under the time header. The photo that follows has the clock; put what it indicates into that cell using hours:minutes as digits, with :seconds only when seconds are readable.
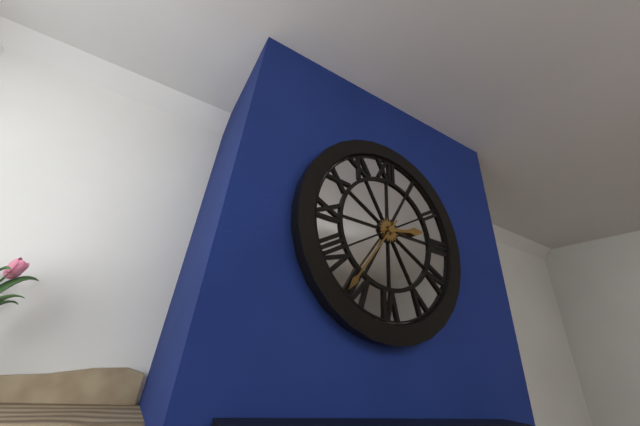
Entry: 2:36
